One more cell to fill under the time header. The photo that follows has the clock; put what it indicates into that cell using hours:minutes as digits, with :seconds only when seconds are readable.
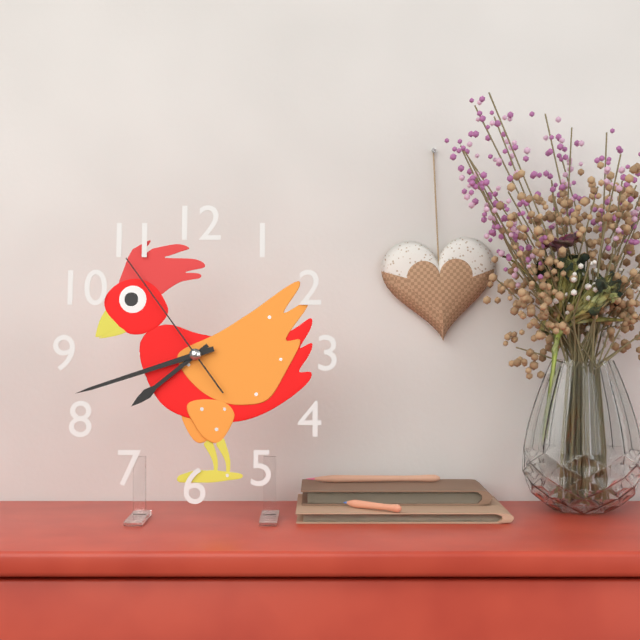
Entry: 7:42:54
